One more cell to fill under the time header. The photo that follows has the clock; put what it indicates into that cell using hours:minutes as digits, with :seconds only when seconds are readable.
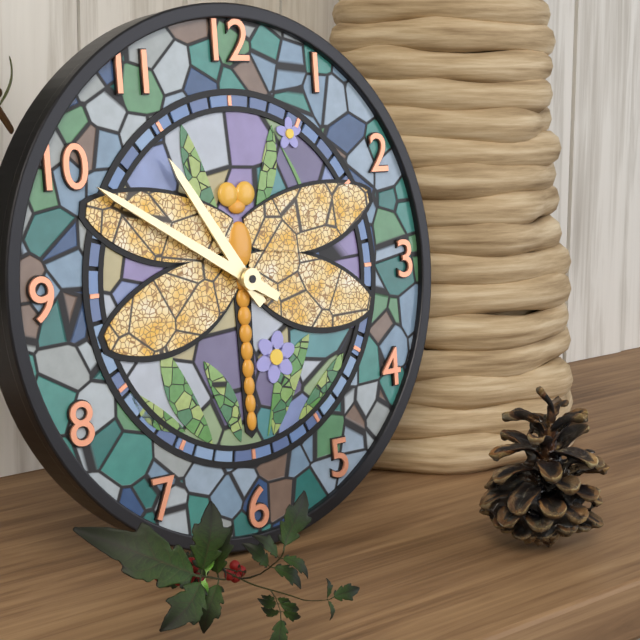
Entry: 10:50
